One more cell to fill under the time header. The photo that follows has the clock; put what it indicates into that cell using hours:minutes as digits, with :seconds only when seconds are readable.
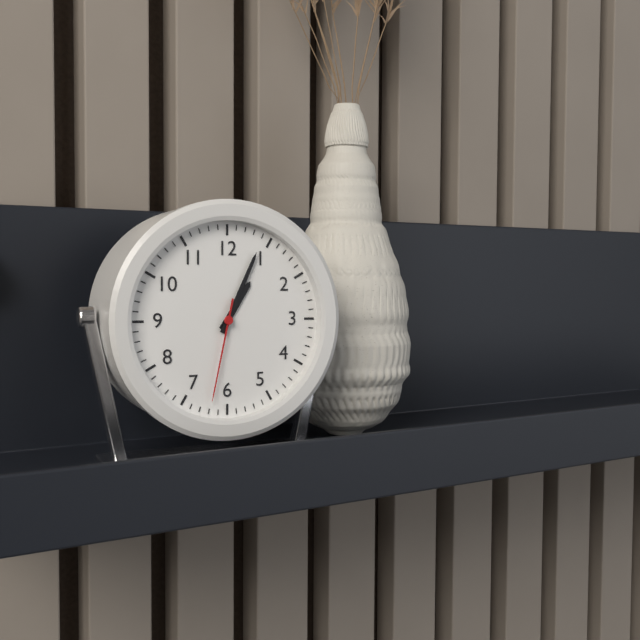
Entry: 1:04:32
